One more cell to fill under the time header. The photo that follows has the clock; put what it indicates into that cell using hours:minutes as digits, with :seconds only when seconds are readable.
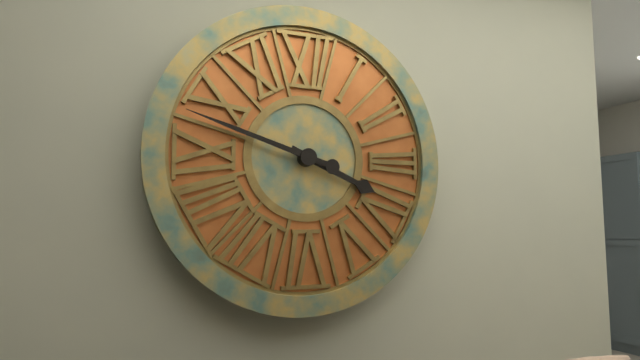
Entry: 3:48
